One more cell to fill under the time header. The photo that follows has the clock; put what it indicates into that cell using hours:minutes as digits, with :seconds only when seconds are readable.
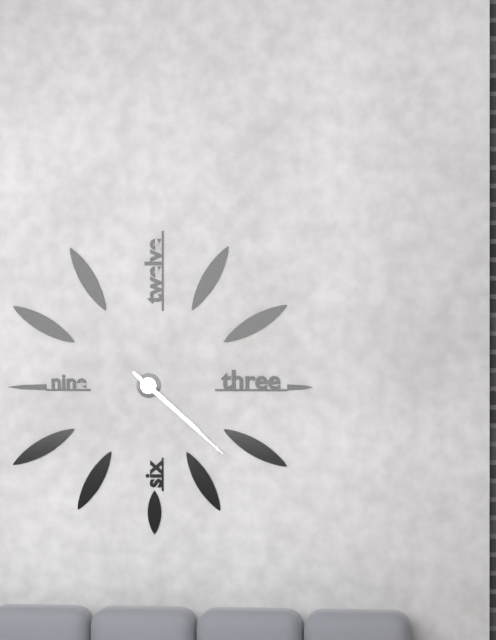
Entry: 4:22
